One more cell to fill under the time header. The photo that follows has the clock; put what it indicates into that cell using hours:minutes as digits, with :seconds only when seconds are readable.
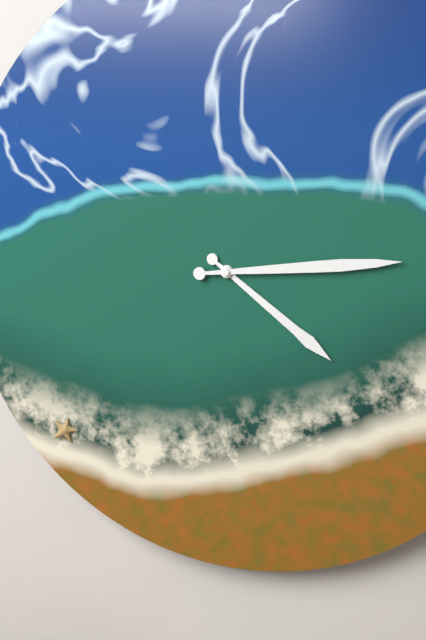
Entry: 4:14
